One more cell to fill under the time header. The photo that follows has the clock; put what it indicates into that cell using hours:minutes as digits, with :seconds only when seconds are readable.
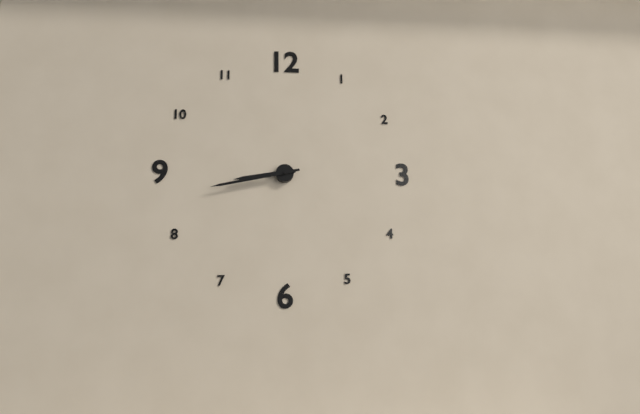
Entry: 8:43
